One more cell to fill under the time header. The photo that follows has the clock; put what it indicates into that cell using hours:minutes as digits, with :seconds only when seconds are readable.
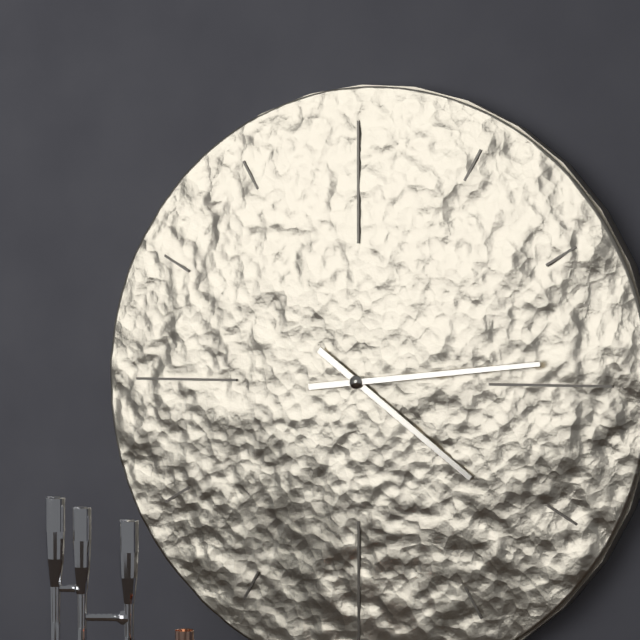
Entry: 4:14
